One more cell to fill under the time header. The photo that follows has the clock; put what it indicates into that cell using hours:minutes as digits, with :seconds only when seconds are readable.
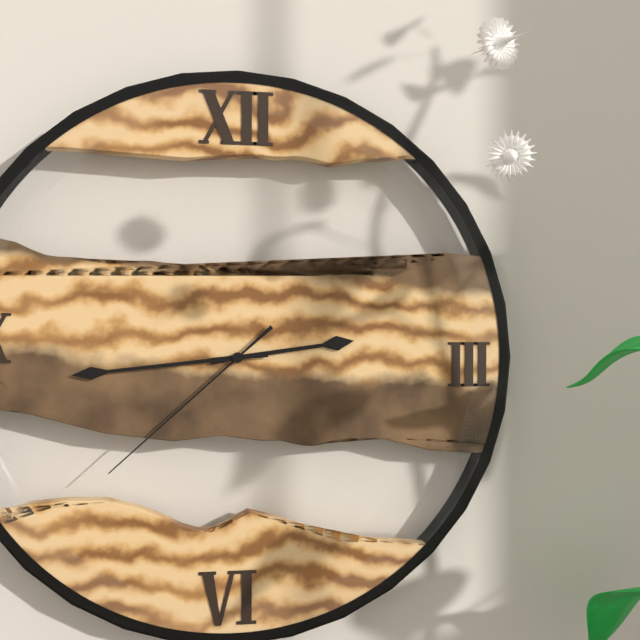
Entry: 2:44:38
